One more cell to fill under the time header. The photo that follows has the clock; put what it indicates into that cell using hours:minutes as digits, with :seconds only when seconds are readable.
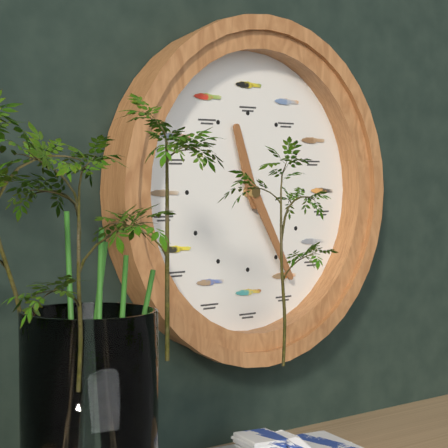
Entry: 11:25
